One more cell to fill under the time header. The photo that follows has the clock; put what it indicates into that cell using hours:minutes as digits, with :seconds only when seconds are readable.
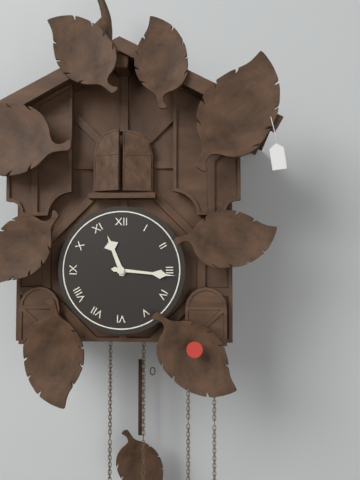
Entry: 11:16
